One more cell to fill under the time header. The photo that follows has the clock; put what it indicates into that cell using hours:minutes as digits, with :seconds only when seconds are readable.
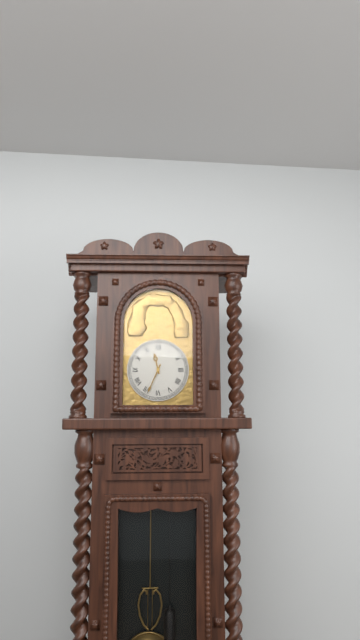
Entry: 11:34
